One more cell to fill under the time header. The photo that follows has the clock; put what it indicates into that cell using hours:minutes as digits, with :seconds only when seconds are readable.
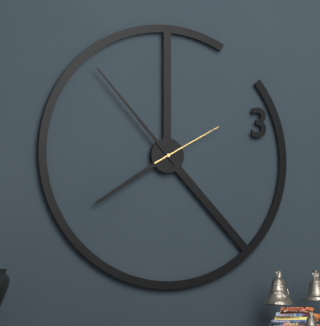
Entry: 7:53:10
